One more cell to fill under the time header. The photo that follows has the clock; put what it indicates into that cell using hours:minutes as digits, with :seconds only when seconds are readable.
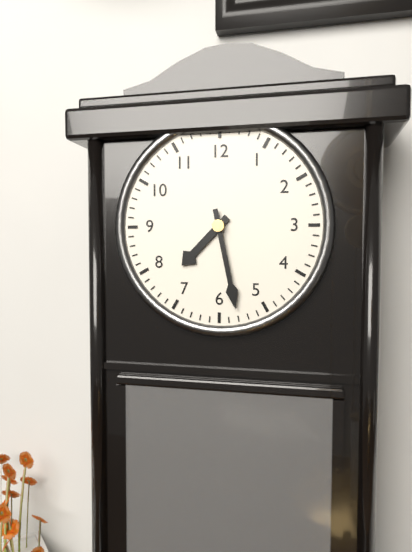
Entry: 7:28
